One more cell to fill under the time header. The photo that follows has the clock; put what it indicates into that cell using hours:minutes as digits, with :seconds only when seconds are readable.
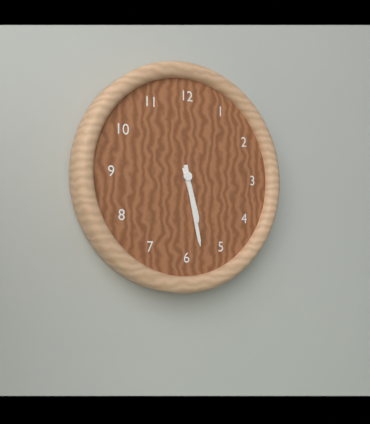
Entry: 5:28
